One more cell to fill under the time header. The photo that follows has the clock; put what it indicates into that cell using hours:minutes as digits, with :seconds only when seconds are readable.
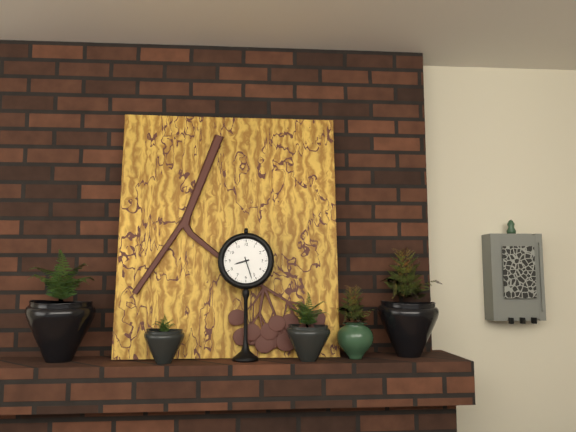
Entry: 8:27
